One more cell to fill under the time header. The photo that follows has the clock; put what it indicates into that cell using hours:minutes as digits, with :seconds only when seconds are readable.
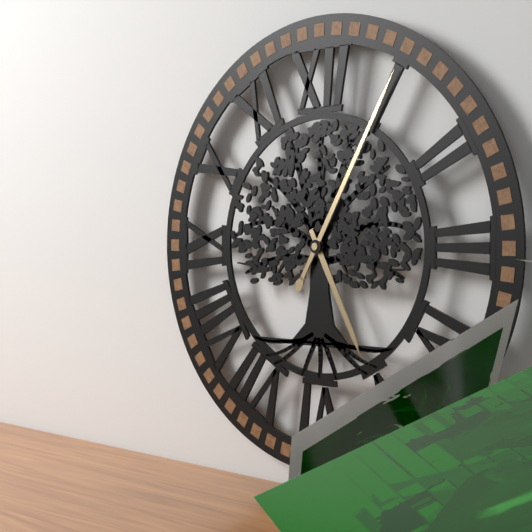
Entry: 5:05
